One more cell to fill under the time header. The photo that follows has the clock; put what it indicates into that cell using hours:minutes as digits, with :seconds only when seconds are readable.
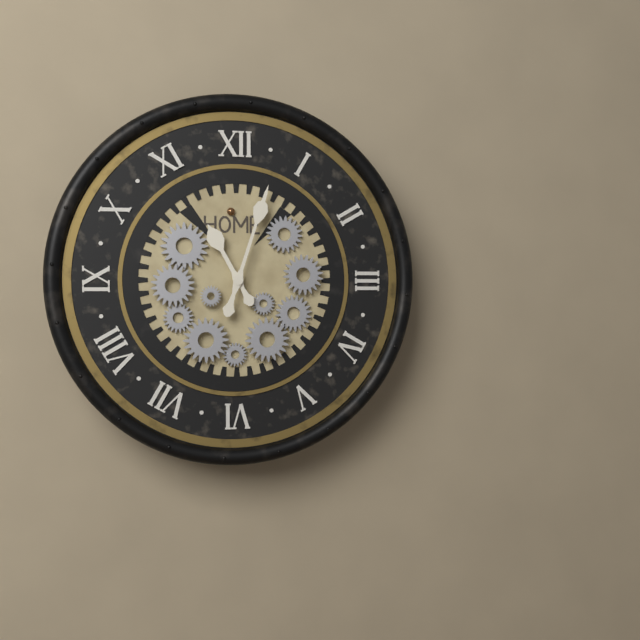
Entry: 11:03
